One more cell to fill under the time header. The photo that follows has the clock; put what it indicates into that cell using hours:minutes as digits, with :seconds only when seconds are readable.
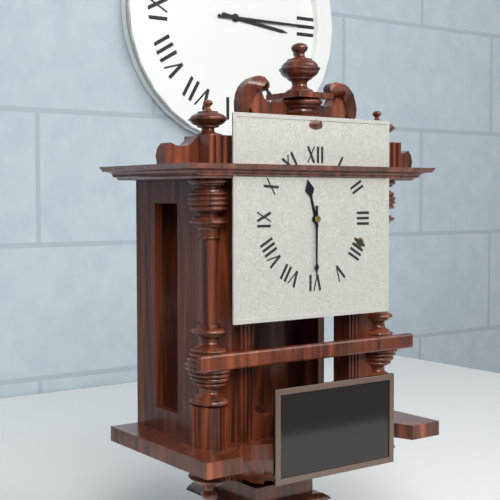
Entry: 11:30
